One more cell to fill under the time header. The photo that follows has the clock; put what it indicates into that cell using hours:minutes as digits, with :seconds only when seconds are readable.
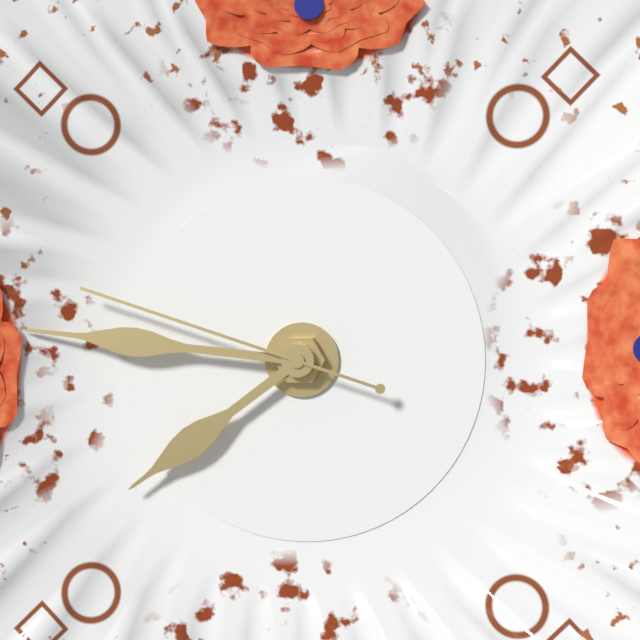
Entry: 7:46:48
